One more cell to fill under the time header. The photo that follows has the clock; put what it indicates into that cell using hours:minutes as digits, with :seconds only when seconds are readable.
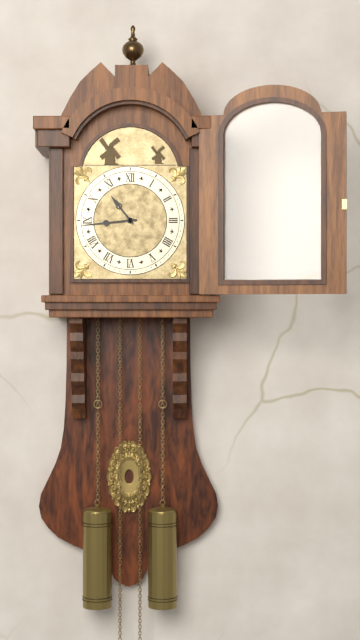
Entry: 10:44
